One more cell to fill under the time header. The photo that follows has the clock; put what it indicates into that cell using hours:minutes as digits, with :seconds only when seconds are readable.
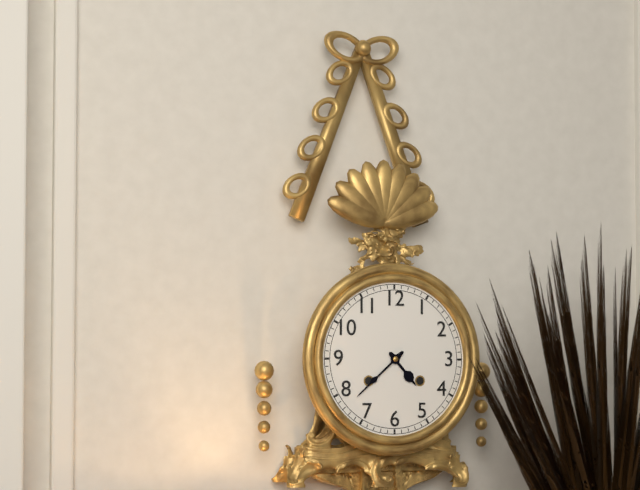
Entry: 4:38
